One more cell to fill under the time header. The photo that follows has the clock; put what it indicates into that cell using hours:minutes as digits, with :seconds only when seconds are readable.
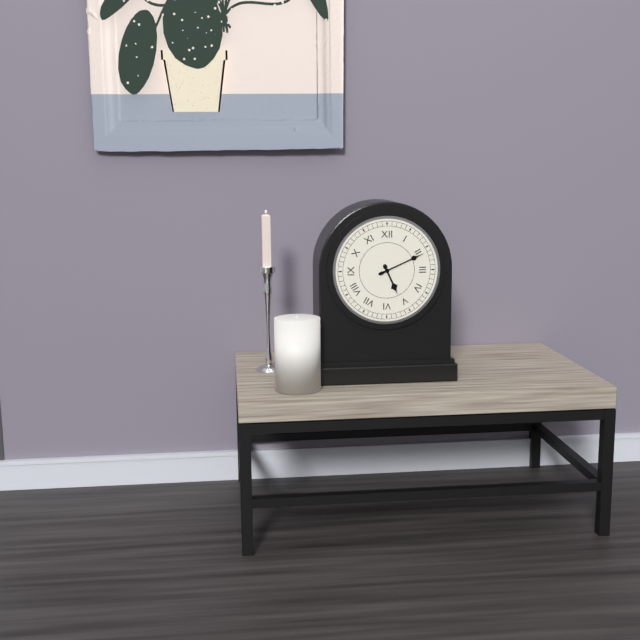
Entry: 5:11
